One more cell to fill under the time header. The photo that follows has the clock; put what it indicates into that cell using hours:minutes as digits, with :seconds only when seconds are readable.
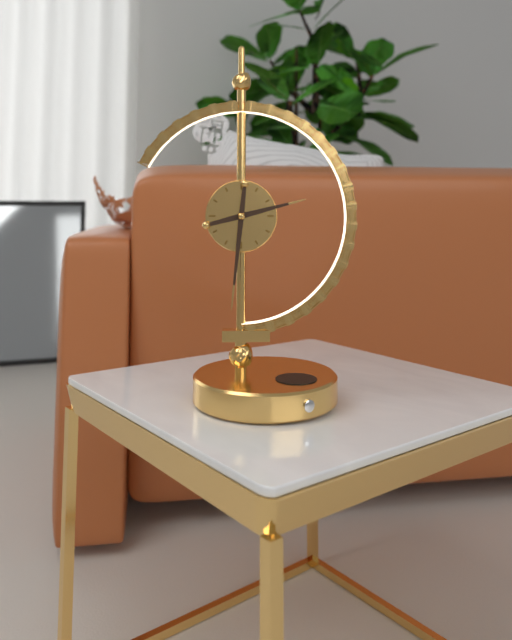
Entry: 2:31
